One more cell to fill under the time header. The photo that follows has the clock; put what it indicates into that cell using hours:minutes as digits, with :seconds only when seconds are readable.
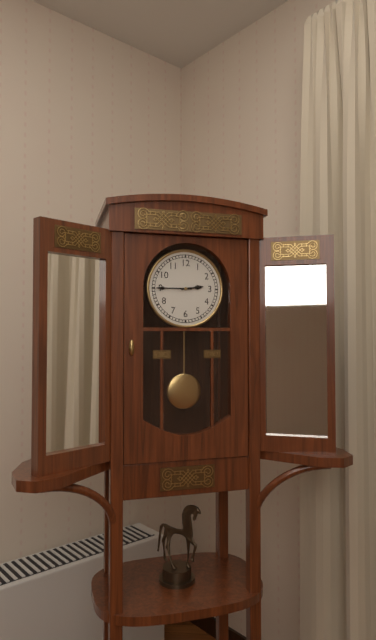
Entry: 2:45
